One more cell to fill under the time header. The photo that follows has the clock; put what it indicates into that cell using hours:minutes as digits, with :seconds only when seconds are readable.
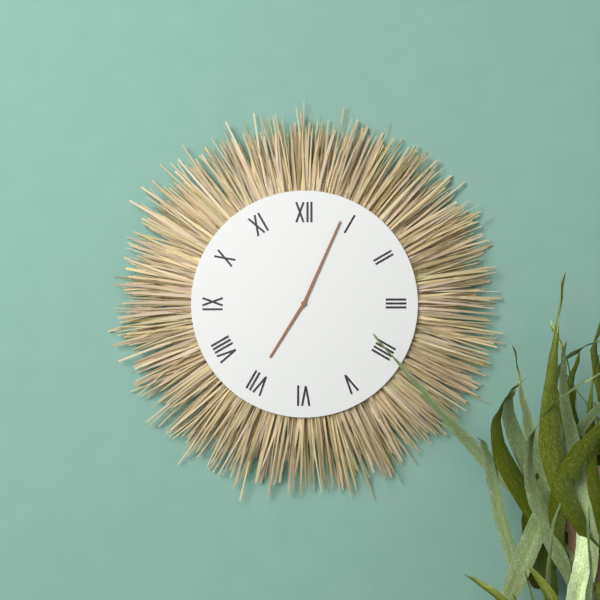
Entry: 7:04
